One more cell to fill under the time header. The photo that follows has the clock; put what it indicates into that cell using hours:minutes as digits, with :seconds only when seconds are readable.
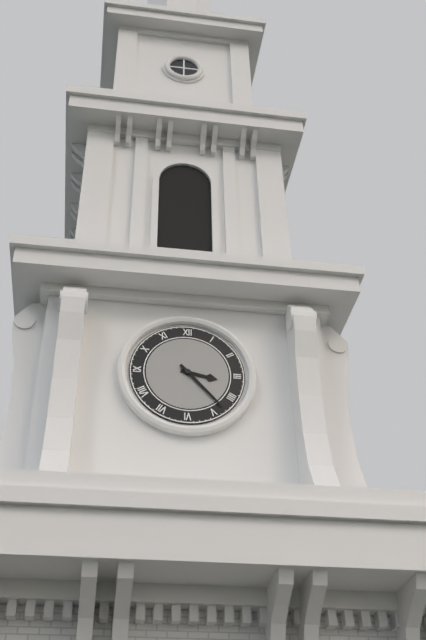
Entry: 3:23
